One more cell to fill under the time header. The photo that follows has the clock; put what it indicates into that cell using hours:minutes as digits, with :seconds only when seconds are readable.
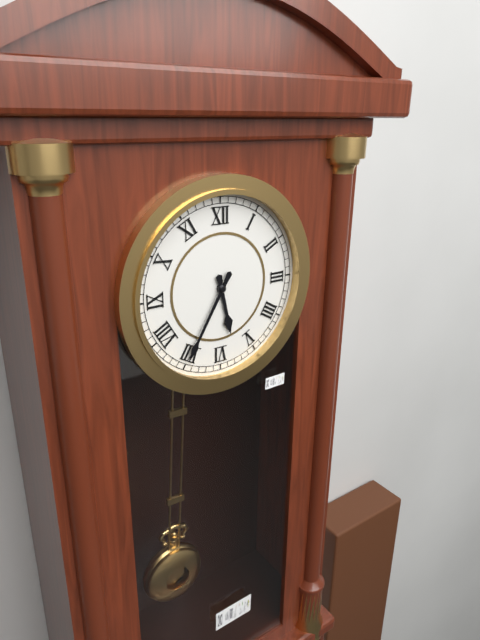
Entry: 5:35
